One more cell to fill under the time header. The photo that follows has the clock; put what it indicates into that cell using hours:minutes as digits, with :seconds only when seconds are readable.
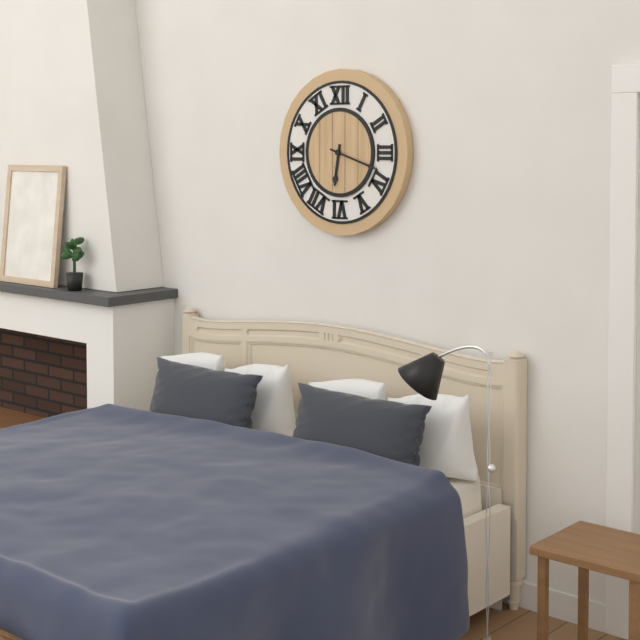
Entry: 6:18
